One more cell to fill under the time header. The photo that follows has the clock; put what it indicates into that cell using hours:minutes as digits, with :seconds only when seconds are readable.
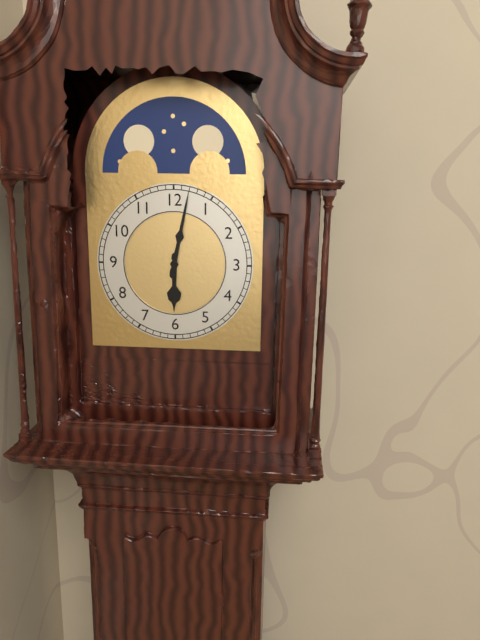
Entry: 6:02
